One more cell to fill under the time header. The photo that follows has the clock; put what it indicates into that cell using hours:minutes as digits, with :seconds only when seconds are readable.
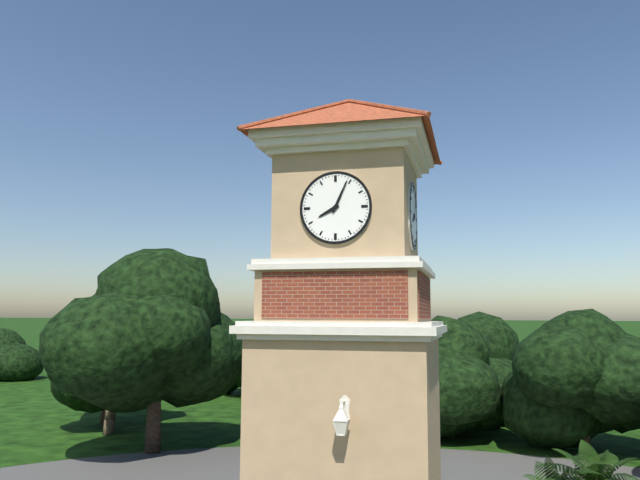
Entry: 8:04
